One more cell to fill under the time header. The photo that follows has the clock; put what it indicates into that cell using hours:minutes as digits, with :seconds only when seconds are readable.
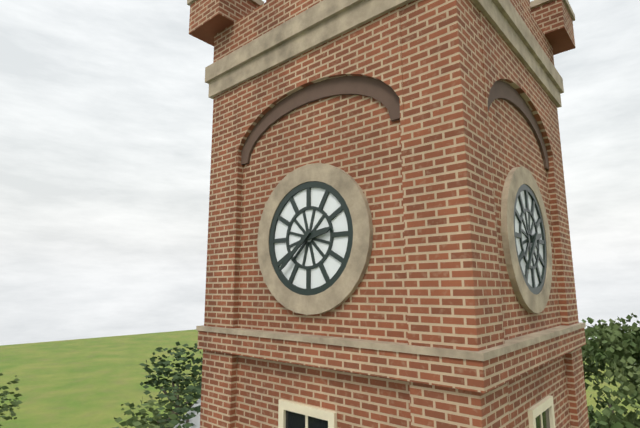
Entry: 2:38
